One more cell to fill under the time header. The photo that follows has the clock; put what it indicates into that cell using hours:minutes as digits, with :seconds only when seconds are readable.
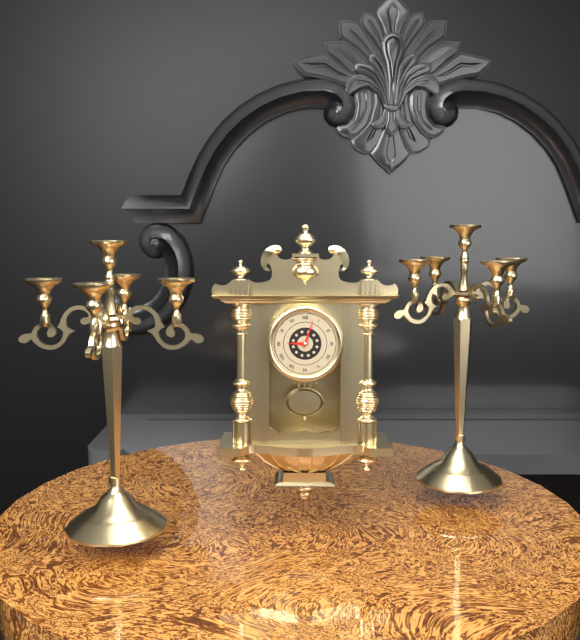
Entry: 9:03
